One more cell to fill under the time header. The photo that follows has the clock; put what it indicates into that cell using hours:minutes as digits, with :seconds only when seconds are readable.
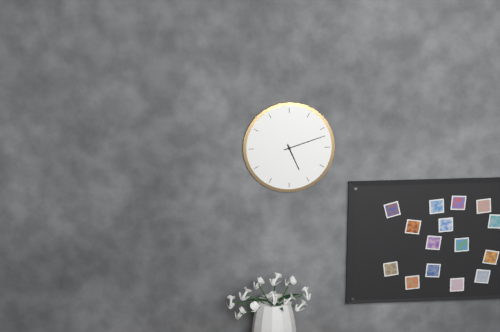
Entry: 5:12
